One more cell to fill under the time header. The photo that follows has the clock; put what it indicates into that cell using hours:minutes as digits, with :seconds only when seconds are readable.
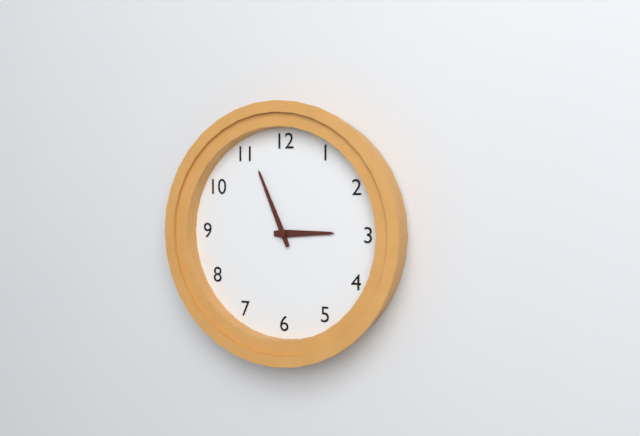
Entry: 2:56
